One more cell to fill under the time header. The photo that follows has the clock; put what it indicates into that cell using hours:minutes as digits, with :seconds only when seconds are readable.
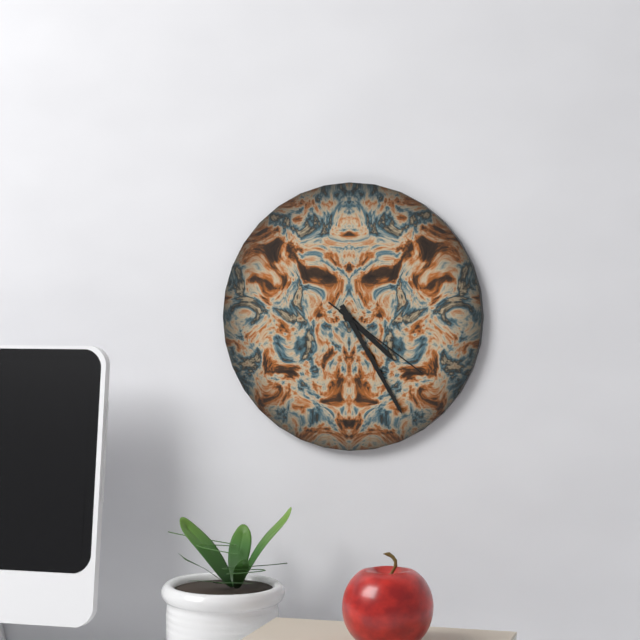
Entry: 4:25:21
